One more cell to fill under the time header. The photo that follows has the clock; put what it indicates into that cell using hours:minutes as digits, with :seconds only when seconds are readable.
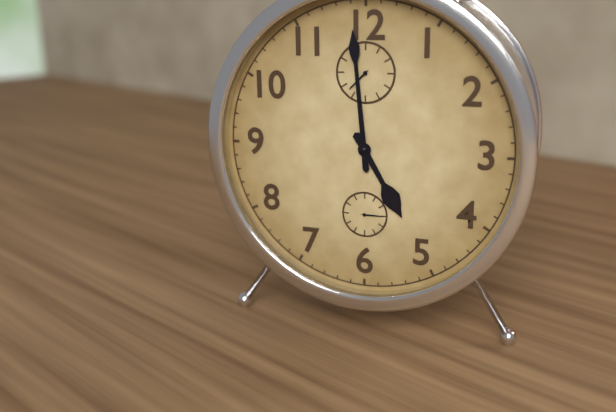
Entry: 4:59
